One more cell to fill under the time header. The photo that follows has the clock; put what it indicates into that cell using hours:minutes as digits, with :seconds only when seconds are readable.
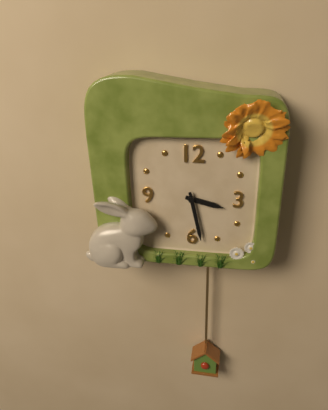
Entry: 3:28
